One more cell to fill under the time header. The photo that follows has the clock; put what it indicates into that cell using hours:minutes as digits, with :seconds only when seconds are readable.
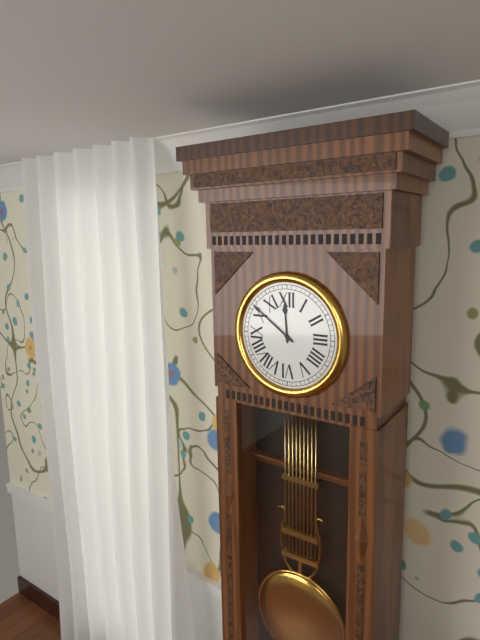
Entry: 11:51
